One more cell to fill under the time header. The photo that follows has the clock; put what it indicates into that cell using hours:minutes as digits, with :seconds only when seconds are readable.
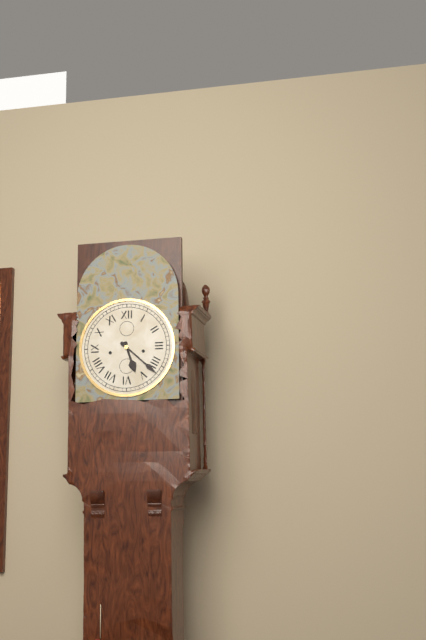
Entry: 5:22
